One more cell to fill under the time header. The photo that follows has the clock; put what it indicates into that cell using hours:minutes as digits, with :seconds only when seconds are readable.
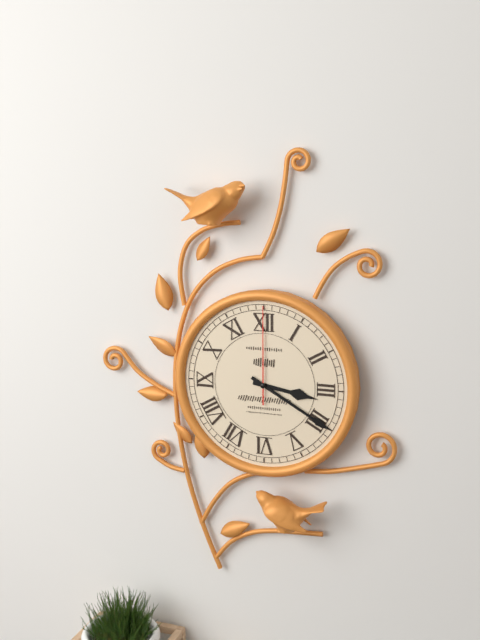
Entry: 3:20:00
